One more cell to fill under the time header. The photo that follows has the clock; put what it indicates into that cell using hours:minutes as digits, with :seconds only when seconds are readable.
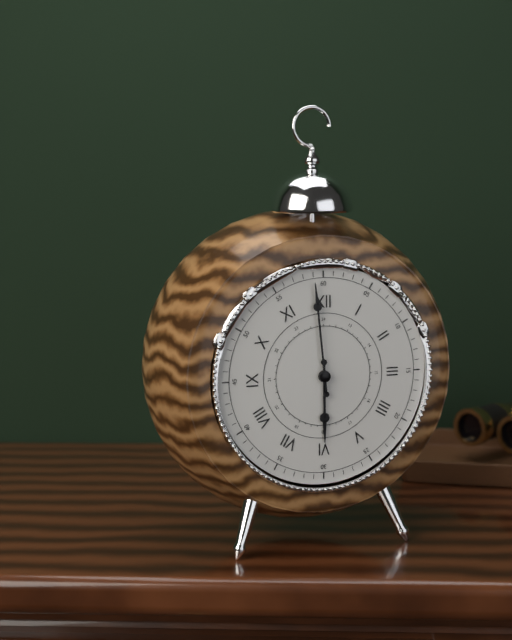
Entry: 5:59
